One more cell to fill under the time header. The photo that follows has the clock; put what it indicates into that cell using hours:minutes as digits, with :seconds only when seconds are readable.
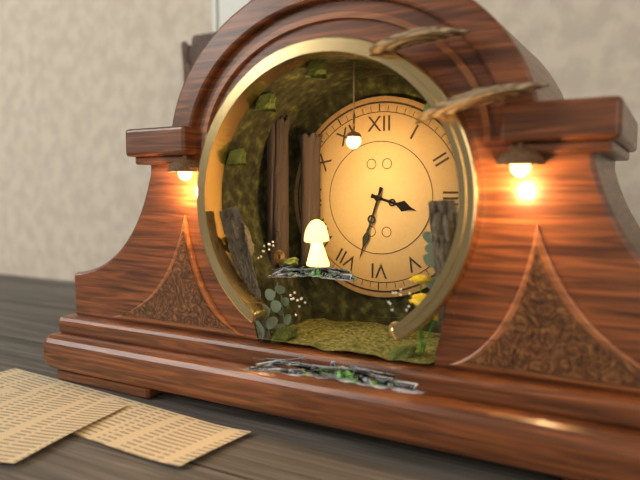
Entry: 3:33
